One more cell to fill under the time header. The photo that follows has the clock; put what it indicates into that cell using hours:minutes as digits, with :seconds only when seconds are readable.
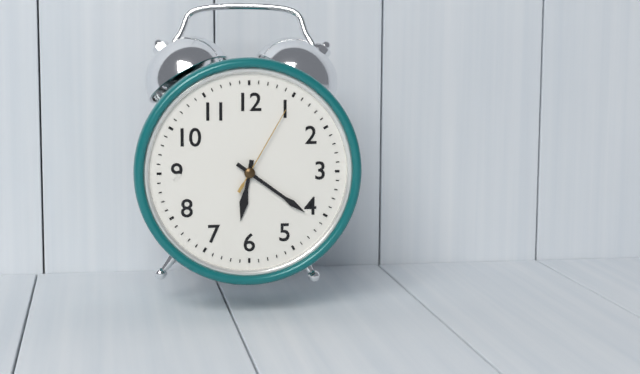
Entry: 6:21:05
